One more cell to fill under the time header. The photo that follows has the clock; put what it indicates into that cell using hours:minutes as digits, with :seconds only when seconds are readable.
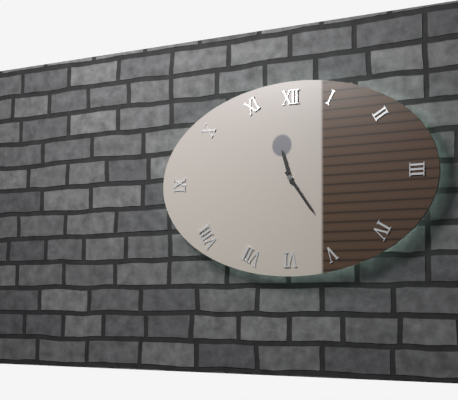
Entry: 11:24
